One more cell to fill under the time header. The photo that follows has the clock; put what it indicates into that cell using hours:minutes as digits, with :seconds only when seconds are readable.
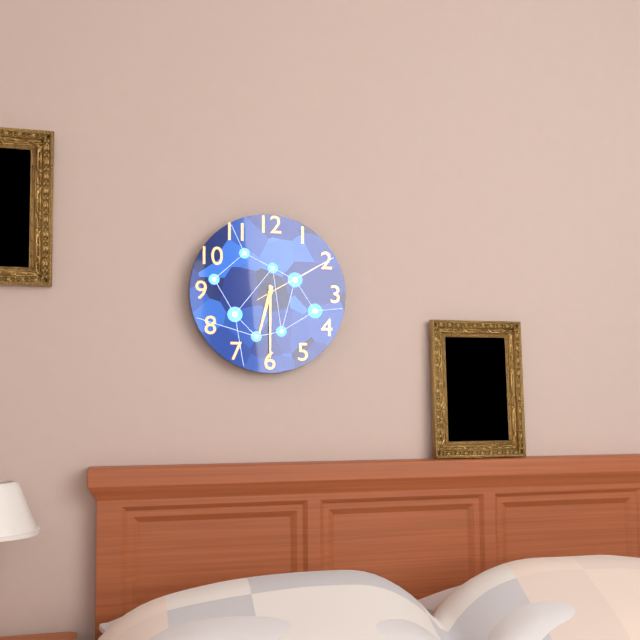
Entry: 6:30:10
